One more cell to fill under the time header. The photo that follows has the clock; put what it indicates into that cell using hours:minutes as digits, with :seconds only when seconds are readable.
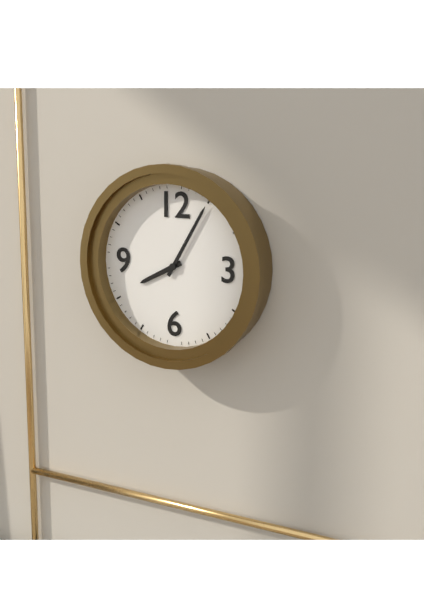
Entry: 8:05
